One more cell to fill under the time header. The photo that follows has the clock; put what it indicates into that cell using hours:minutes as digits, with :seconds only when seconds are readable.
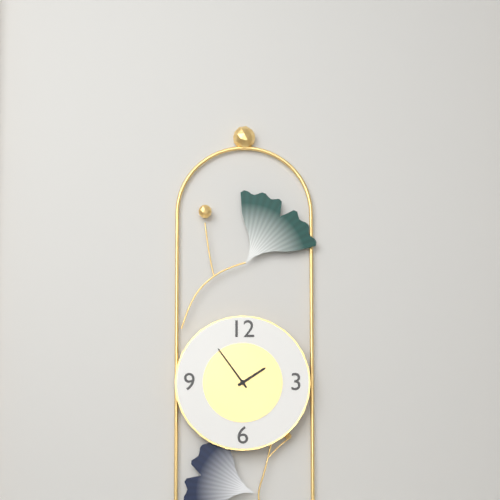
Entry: 1:54
